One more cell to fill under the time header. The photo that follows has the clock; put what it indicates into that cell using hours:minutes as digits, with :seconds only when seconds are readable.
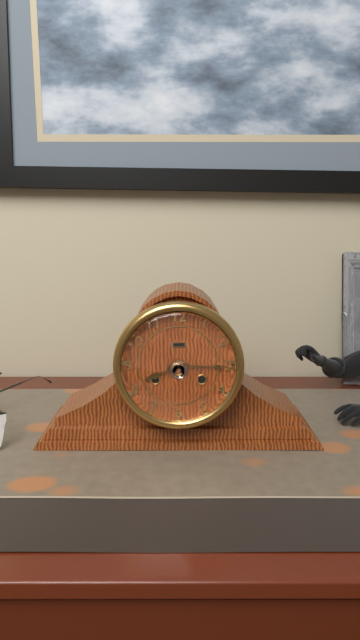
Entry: 8:15
